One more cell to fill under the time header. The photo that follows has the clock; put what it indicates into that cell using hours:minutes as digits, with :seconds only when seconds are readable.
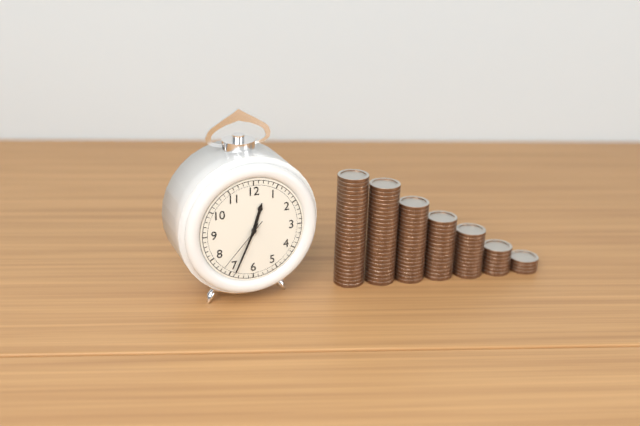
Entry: 12:34:37
